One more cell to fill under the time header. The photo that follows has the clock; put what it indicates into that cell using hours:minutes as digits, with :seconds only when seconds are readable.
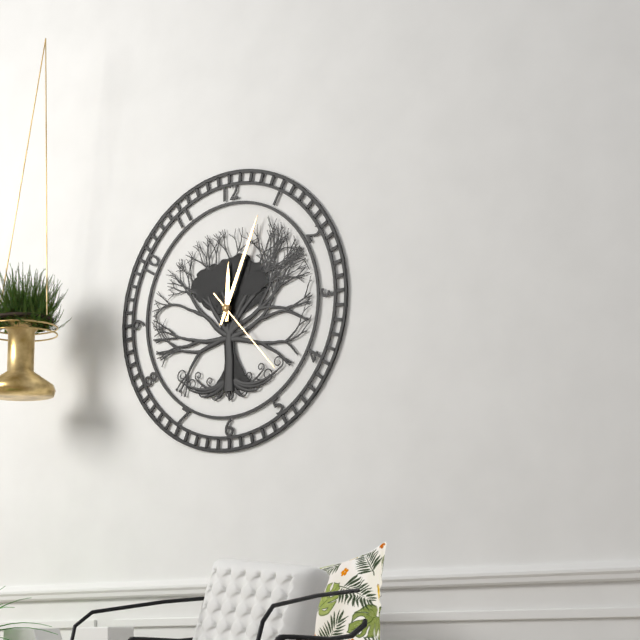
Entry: 12:04:23
